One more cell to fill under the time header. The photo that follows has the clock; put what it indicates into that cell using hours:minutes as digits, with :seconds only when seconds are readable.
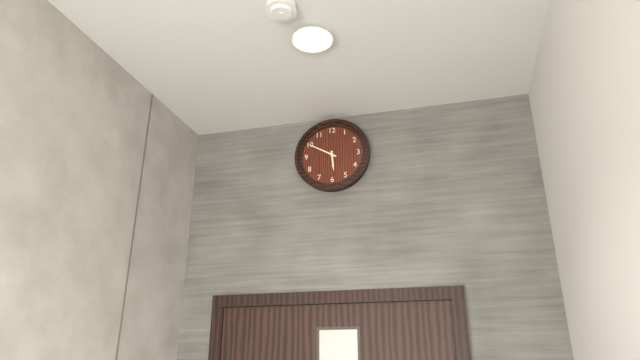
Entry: 5:50
